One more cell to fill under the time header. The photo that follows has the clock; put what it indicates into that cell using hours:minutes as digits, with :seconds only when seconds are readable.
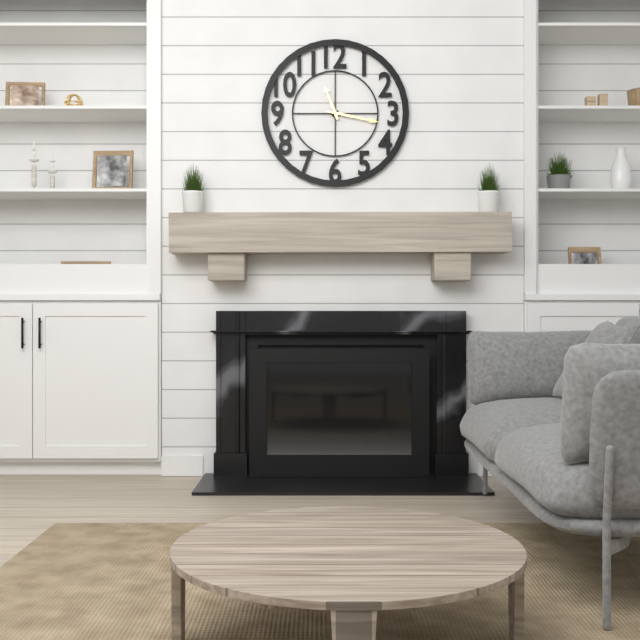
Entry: 11:17
